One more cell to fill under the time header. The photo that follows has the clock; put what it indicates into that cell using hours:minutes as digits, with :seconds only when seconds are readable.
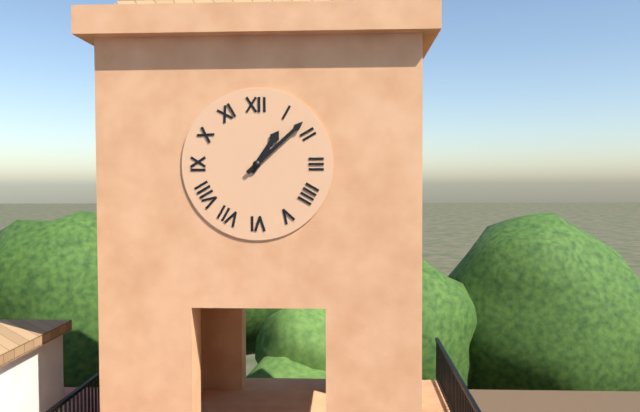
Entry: 1:08
